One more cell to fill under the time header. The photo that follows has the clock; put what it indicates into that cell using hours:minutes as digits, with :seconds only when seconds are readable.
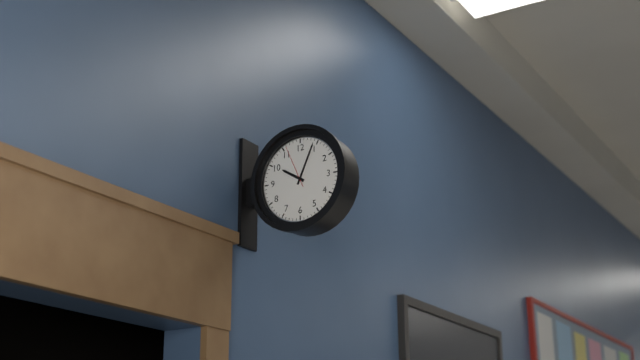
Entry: 10:04
